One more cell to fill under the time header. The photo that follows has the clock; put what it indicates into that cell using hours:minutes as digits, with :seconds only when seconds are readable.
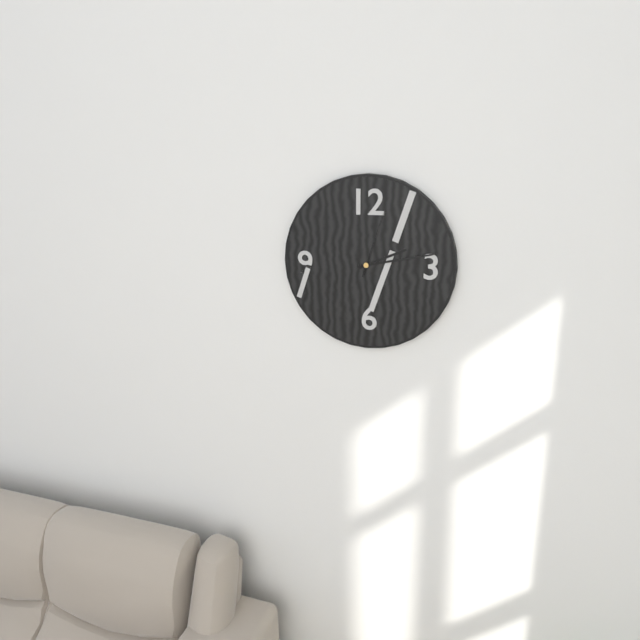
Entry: 2:13:03
